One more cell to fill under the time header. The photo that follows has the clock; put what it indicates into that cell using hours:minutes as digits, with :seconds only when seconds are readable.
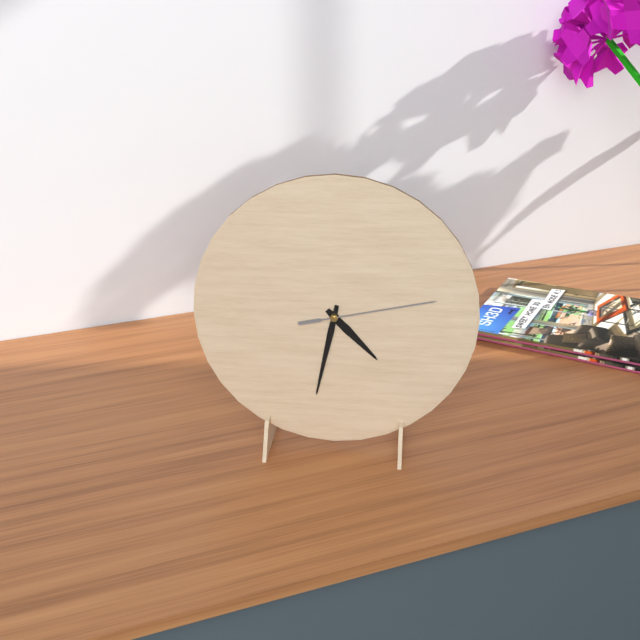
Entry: 4:32:13
